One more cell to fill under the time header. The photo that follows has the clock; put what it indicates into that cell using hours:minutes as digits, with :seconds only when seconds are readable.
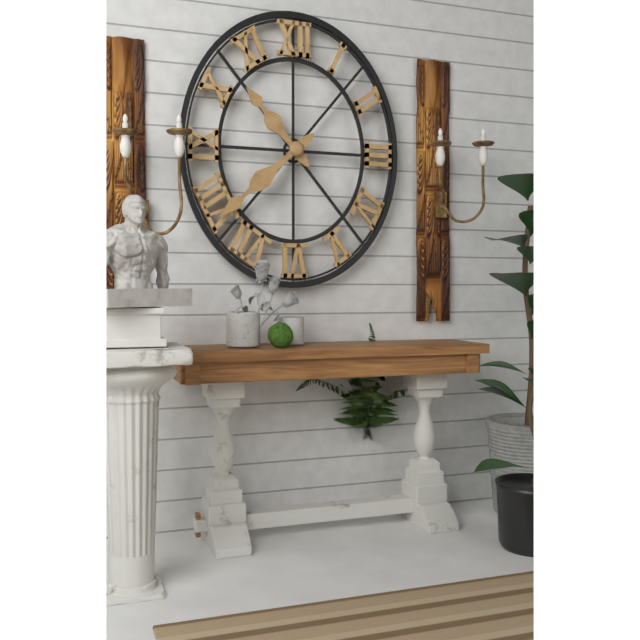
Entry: 10:38
